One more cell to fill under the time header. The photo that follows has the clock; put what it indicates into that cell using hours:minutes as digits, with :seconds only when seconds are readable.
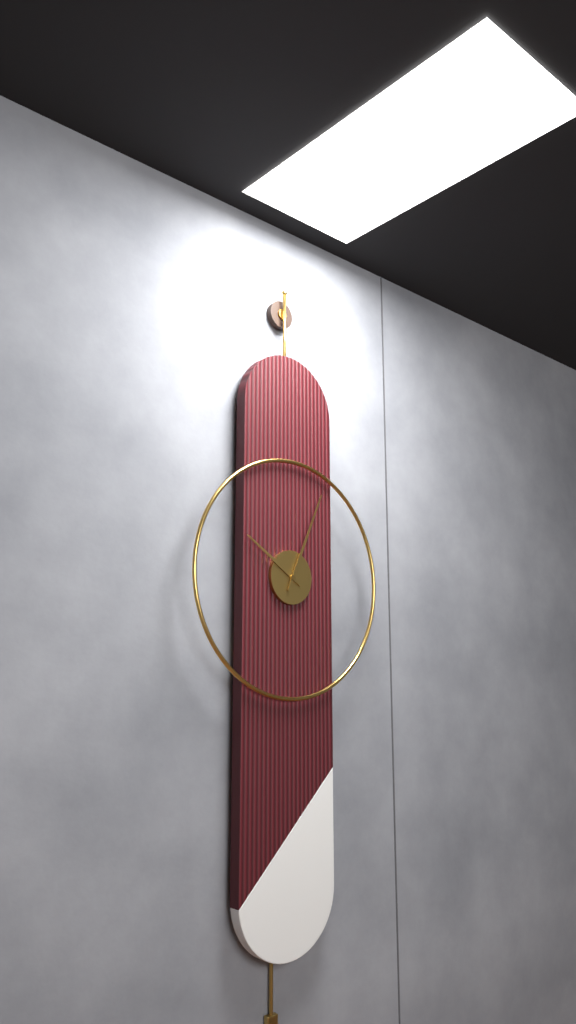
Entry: 10:04
